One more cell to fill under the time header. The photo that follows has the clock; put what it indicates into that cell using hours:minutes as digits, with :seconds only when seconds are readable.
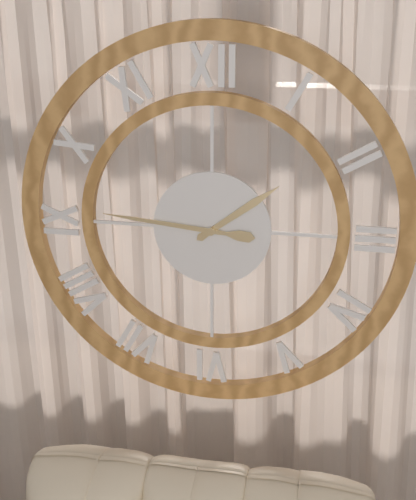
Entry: 1:46
